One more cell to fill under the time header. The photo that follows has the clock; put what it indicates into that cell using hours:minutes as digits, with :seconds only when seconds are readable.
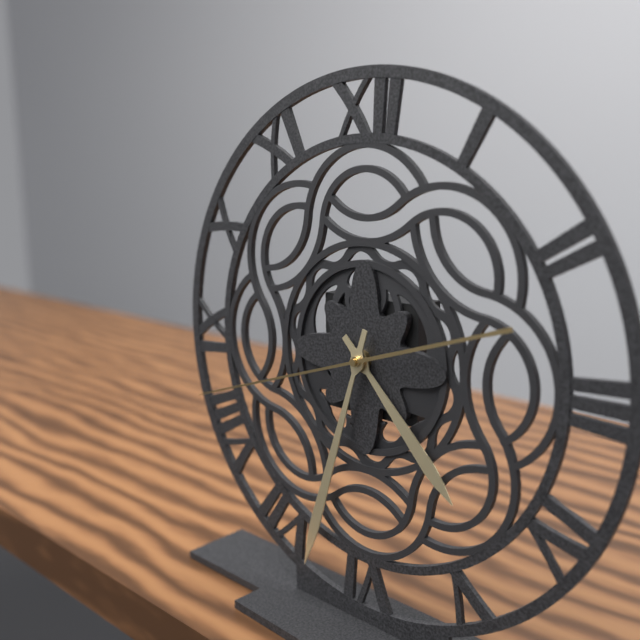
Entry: 4:33:42
